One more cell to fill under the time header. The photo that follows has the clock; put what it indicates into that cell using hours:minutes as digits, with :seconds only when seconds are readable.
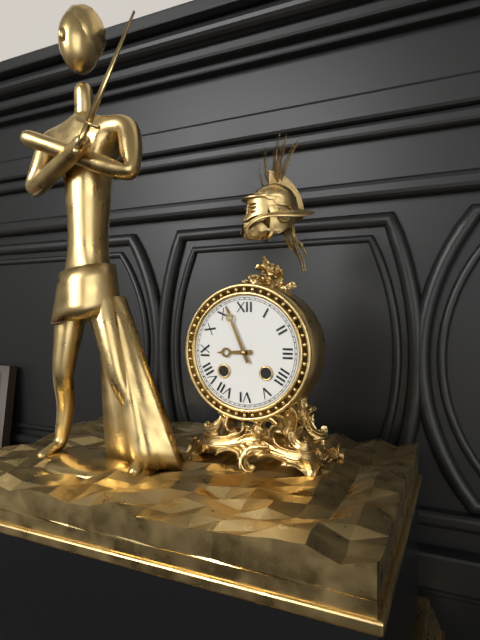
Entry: 8:56
